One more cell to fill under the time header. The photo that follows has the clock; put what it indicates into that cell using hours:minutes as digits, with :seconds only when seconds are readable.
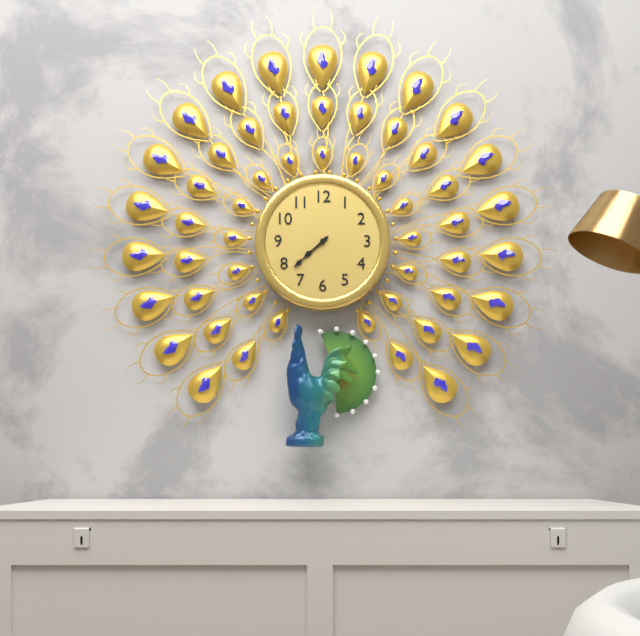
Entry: 7:38
